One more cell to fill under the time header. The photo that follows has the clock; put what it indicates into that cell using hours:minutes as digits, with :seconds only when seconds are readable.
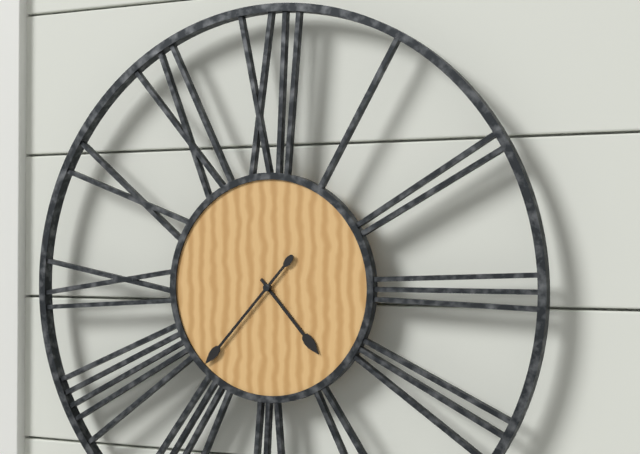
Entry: 4:37
